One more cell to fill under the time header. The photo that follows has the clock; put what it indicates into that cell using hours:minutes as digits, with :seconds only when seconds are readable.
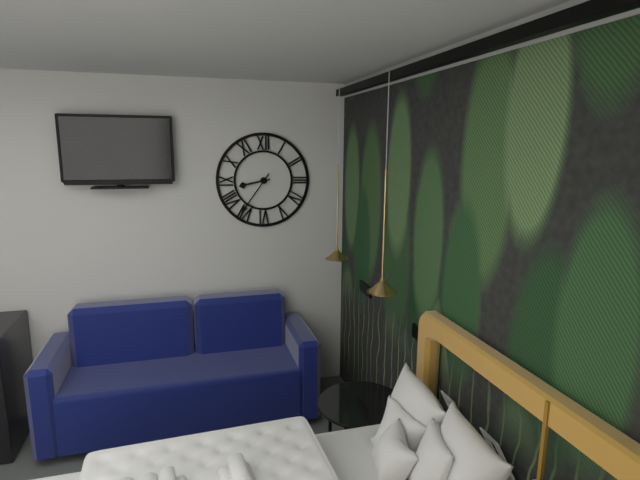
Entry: 8:36
